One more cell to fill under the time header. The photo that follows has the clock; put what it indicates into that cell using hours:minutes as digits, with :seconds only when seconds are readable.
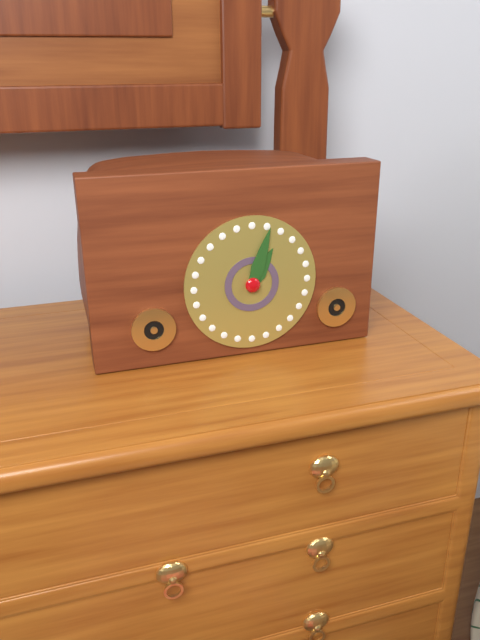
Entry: 1:03
